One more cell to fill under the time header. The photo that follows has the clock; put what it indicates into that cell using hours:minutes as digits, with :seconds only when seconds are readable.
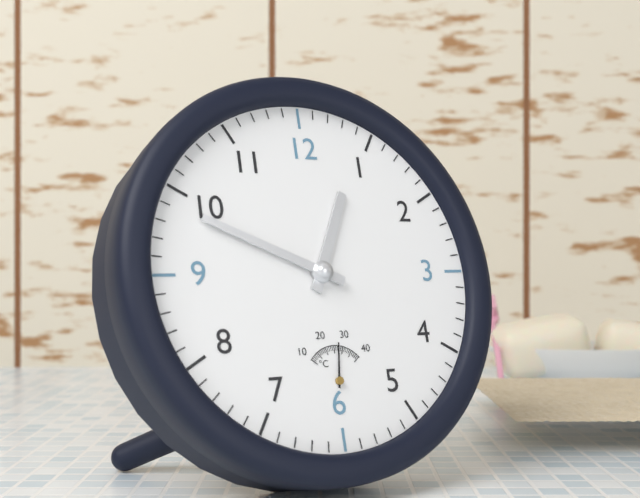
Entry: 12:49
